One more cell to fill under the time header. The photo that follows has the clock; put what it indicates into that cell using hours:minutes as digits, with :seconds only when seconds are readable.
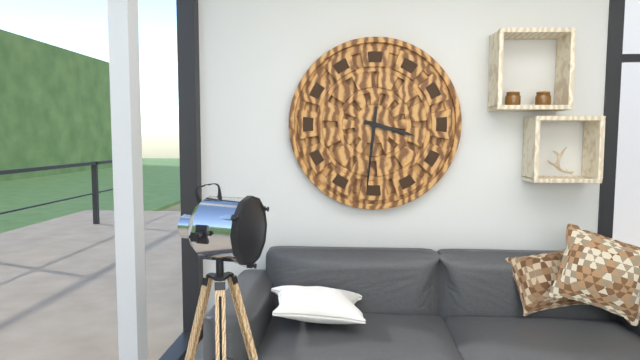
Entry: 3:31
